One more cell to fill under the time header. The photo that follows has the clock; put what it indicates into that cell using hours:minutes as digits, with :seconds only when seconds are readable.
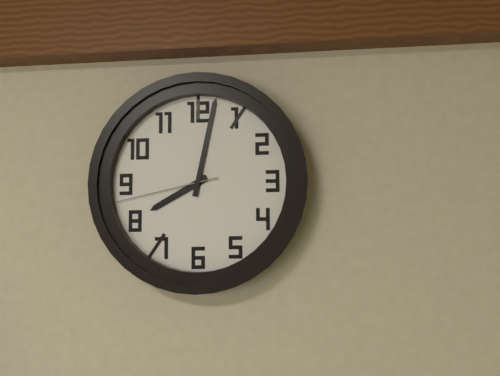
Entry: 8:02:43
